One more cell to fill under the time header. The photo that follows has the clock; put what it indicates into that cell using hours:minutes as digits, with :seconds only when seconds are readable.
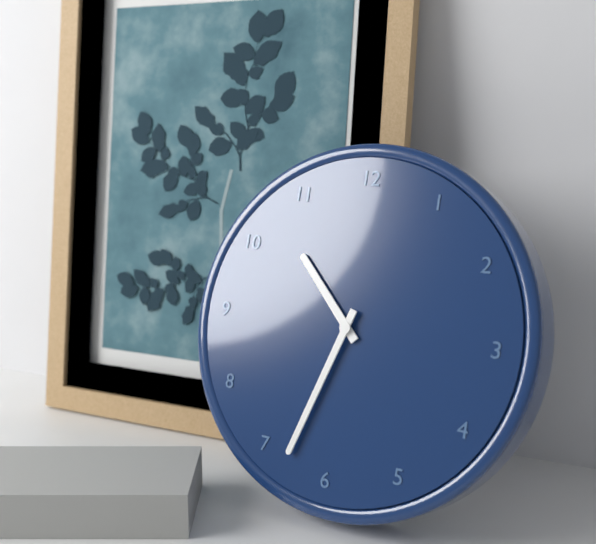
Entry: 10:33
